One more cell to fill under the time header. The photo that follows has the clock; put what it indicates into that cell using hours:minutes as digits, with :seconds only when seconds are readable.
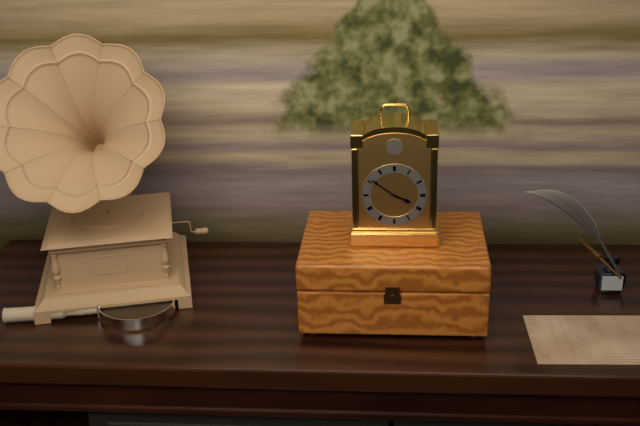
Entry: 3:51
